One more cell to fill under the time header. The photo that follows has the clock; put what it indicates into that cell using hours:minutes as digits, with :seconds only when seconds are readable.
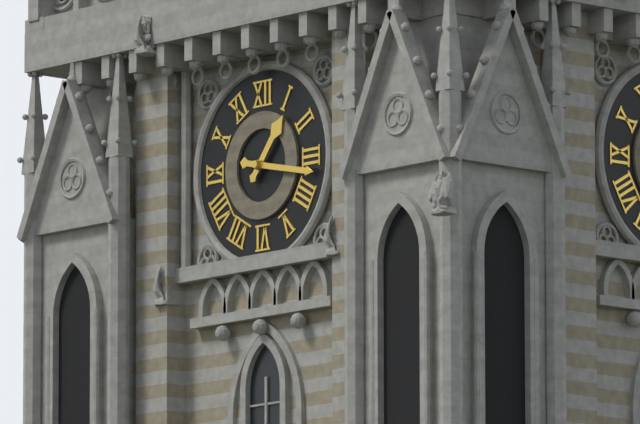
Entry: 1:17
